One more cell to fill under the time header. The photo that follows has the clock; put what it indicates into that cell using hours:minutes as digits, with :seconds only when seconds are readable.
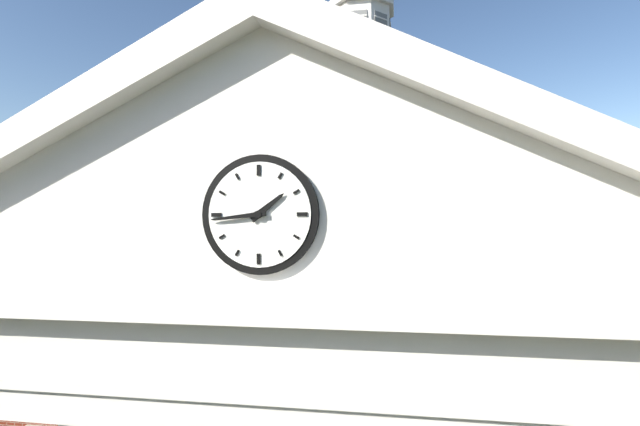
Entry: 1:44
